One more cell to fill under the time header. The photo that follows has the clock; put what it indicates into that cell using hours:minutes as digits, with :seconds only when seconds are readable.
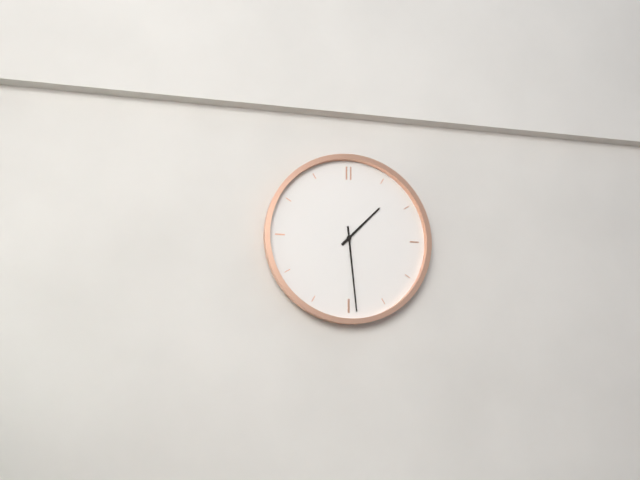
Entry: 1:29
